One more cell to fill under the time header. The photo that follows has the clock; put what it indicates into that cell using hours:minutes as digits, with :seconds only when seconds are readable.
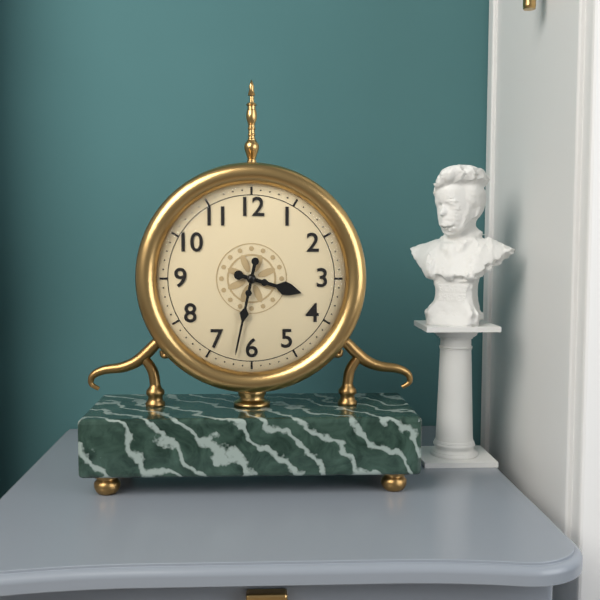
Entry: 3:32
